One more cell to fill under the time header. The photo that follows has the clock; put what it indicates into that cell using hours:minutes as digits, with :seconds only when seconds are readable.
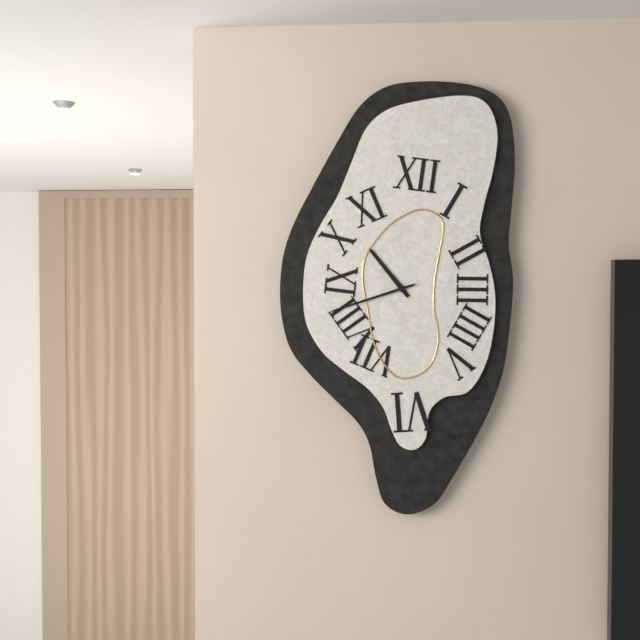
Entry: 10:42
